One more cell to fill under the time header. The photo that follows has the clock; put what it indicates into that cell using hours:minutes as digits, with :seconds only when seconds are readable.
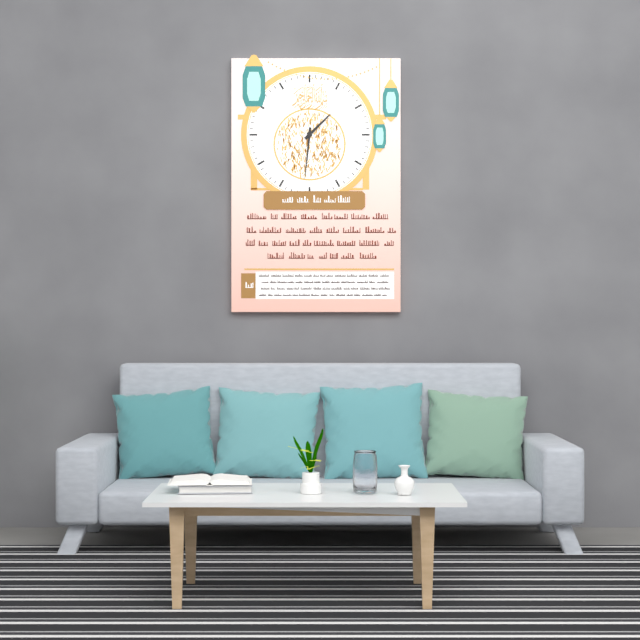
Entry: 1:31
